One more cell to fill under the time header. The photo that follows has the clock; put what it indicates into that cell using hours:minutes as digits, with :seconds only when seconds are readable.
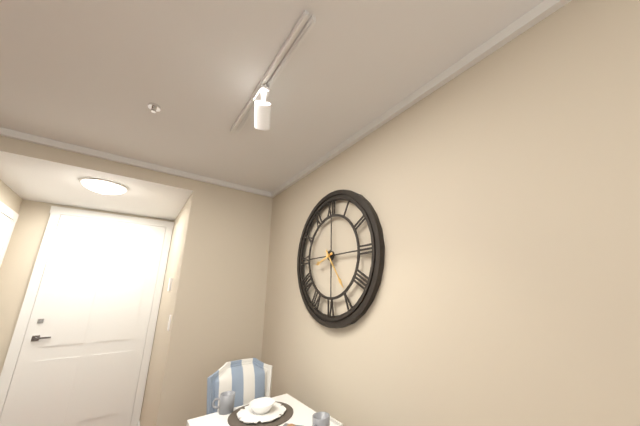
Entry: 8:24
